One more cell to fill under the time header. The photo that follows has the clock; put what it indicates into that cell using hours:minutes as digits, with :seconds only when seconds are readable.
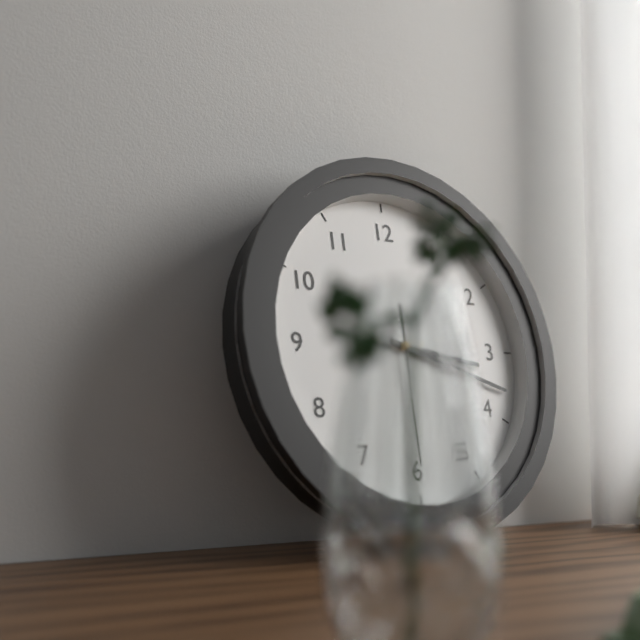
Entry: 3:18:30
